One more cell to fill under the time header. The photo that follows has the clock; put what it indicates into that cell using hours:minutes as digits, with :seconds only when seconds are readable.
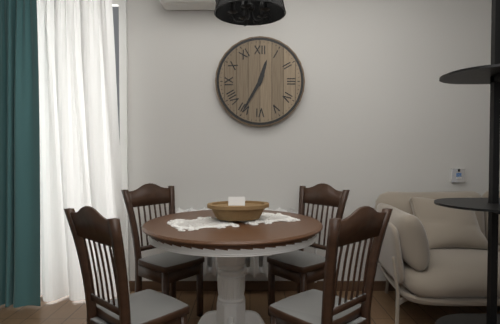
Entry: 12:35
